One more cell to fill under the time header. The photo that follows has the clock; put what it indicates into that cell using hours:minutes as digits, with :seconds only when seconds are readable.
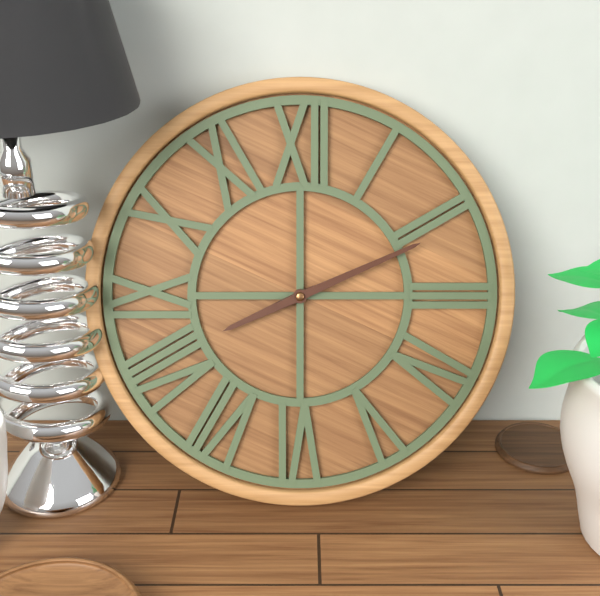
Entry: 8:11
